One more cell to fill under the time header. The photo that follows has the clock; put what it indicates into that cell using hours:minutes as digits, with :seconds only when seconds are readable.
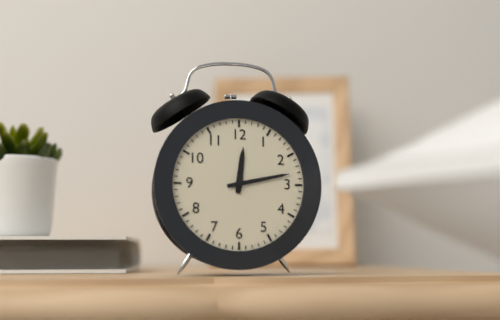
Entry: 12:13
